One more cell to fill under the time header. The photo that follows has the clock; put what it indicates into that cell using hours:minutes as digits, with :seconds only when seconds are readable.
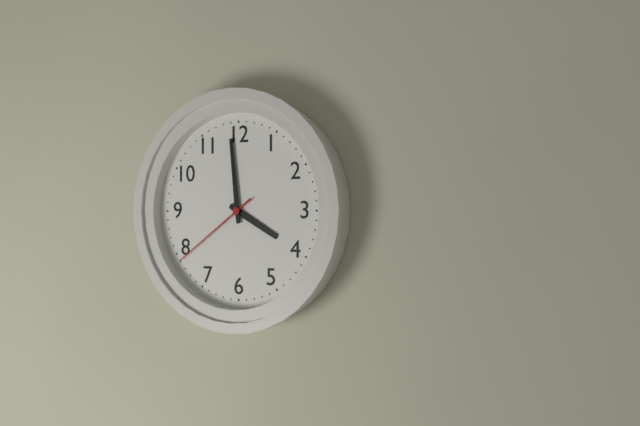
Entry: 3:59:39
